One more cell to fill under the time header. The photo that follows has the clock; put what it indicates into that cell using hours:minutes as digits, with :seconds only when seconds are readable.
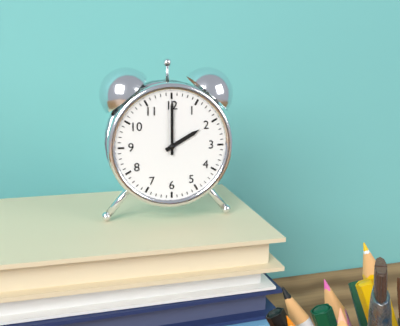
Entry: 2:00
